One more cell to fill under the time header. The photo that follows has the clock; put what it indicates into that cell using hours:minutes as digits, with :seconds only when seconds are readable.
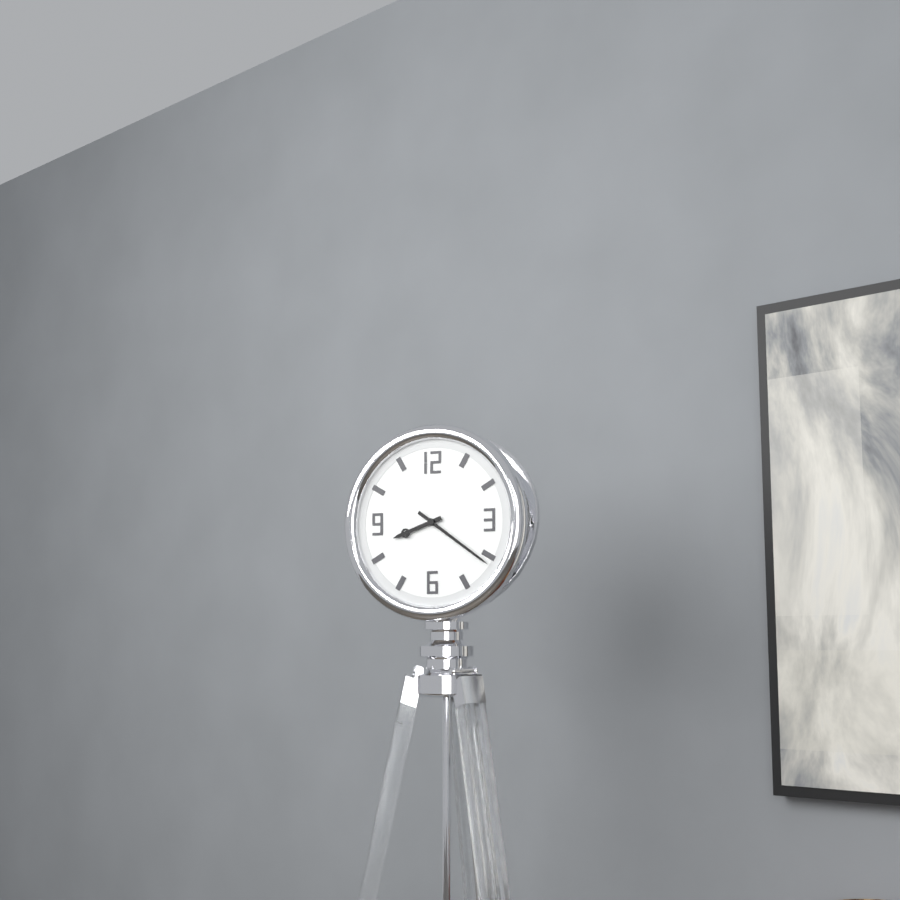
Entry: 8:21
